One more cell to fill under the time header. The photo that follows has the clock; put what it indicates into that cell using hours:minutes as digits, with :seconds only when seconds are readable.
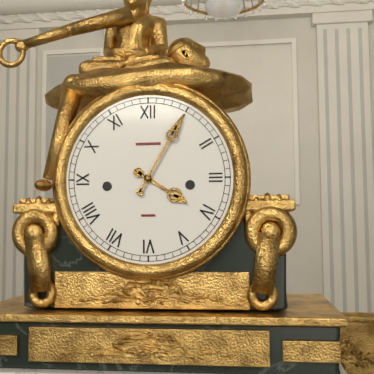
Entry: 4:05
